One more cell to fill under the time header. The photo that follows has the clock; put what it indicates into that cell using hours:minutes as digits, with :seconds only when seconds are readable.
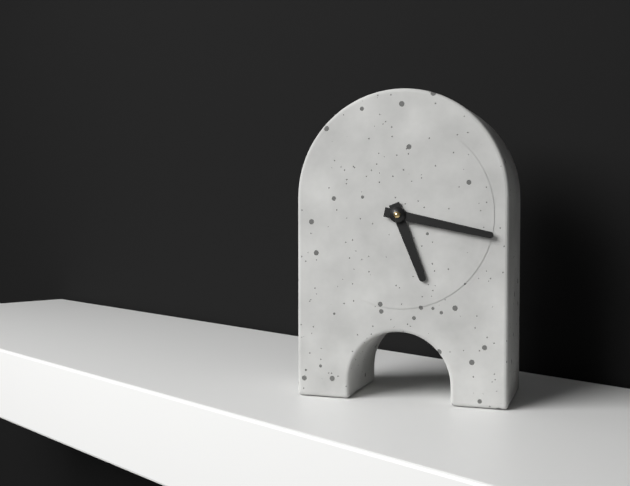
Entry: 5:17
